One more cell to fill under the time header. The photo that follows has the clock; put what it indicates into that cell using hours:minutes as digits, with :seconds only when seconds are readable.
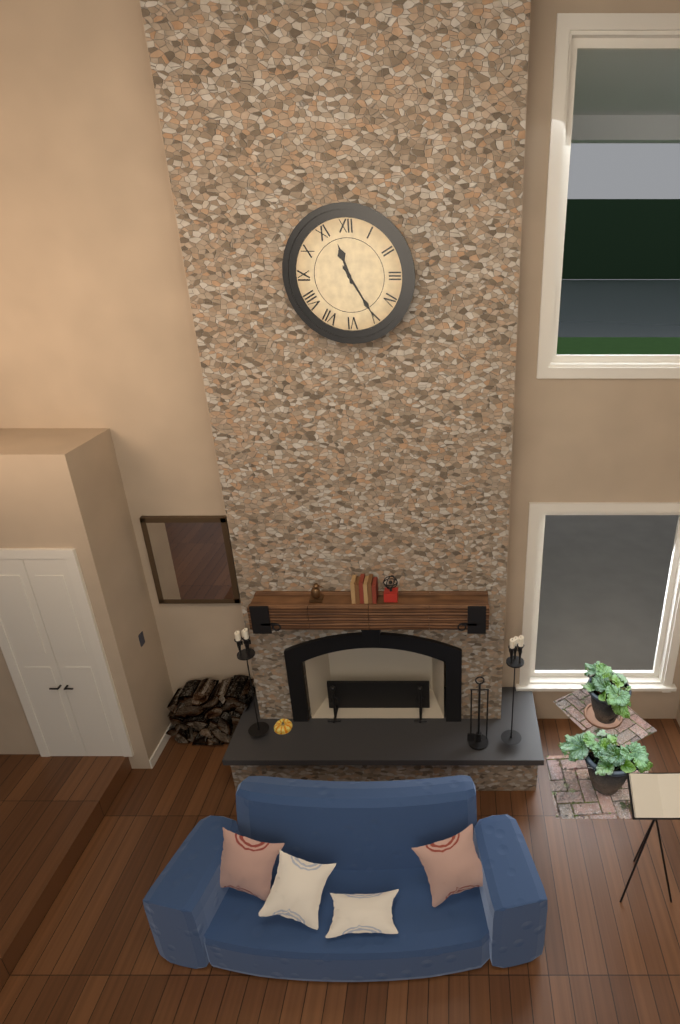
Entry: 11:25
